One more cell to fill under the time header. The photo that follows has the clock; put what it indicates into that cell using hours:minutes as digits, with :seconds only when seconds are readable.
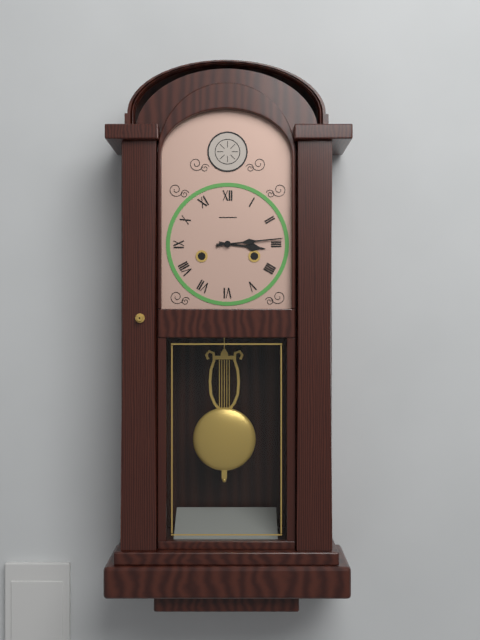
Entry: 3:14
